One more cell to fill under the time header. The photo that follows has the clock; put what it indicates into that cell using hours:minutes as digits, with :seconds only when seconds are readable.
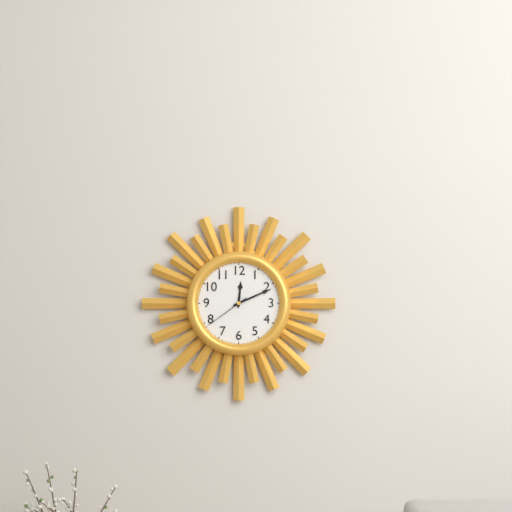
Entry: 12:11
